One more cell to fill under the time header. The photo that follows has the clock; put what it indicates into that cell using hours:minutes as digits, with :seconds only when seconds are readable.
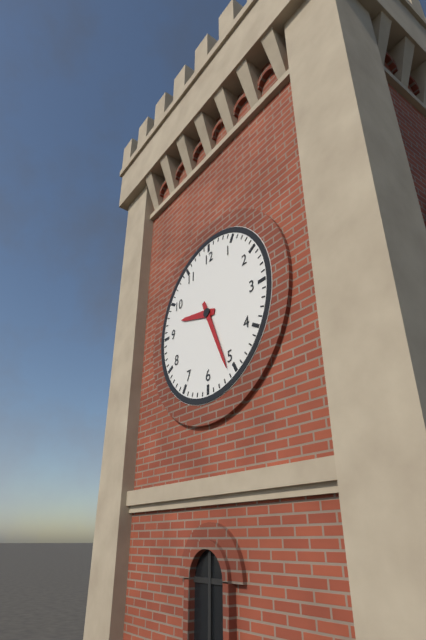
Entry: 9:26
